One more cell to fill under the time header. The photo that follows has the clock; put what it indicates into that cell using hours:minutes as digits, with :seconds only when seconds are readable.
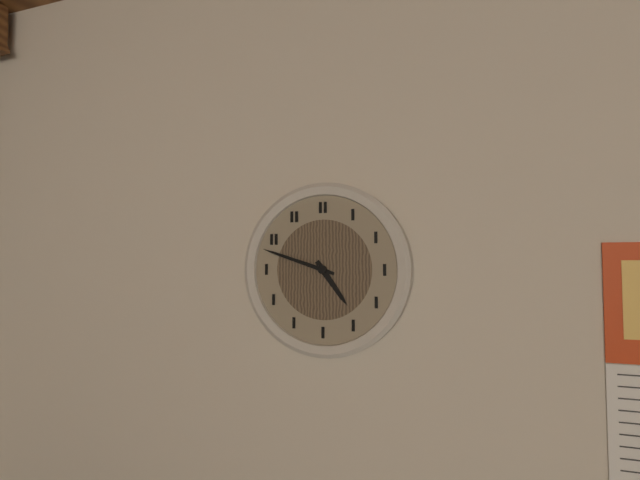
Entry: 4:48
